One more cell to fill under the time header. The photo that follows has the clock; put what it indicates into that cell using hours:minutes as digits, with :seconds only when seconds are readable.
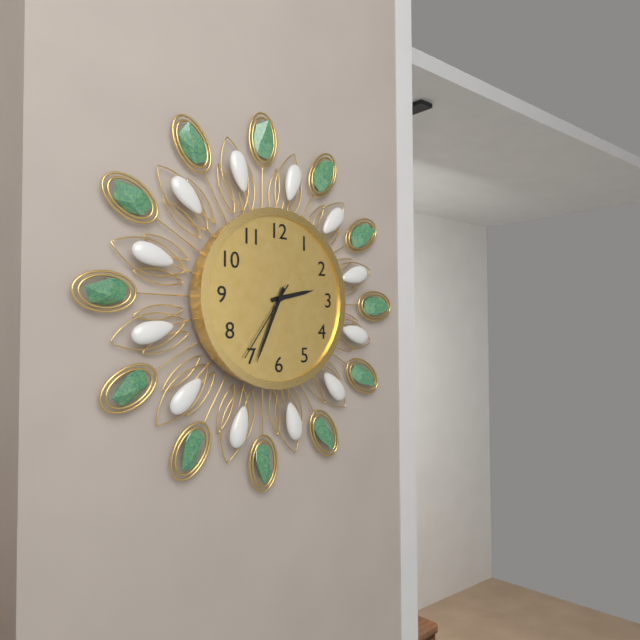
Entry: 2:34:36
